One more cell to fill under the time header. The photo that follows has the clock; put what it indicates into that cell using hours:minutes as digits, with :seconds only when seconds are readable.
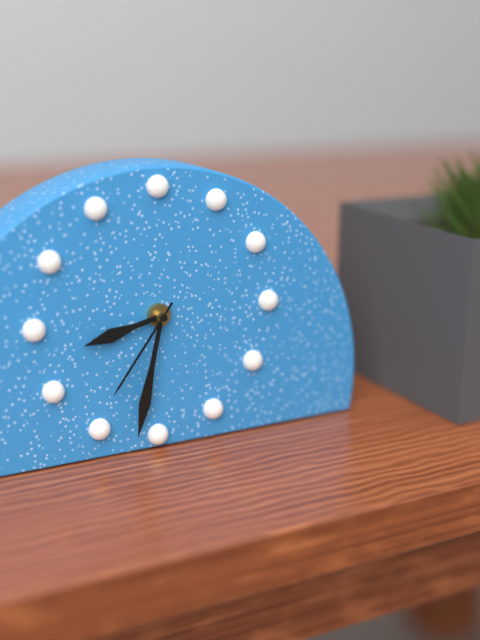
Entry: 8:32:36
